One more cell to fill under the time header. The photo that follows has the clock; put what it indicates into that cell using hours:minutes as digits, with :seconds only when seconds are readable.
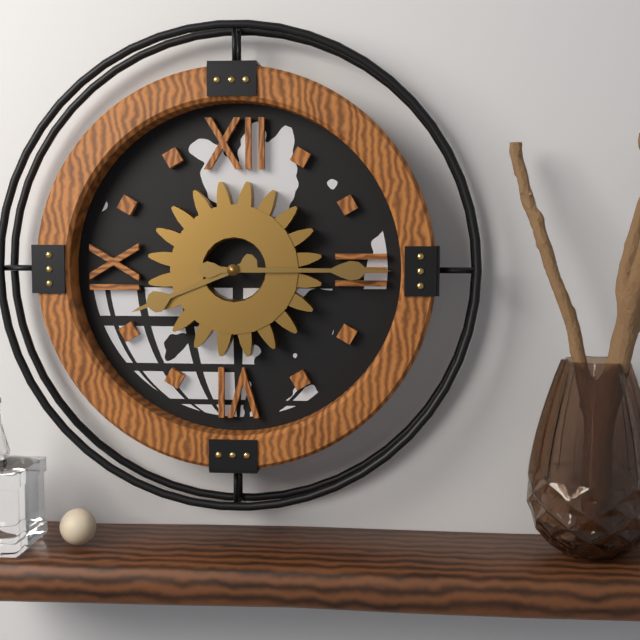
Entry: 8:15
